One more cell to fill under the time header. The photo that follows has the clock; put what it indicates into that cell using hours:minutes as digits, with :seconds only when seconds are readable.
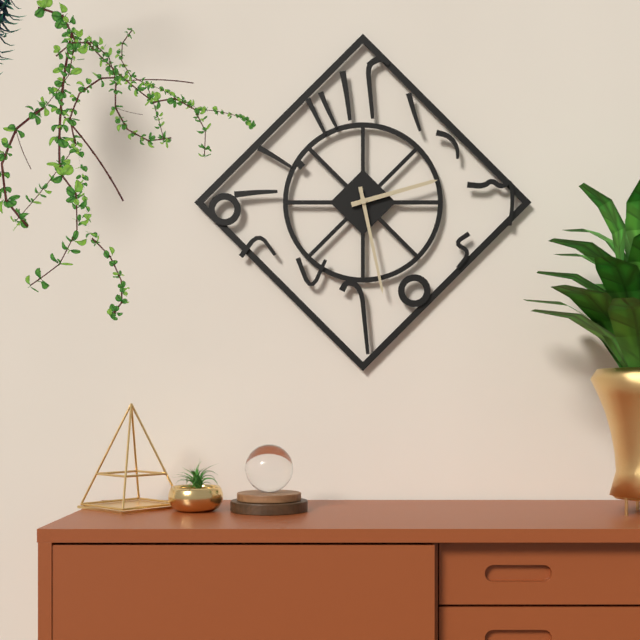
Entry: 2:28
